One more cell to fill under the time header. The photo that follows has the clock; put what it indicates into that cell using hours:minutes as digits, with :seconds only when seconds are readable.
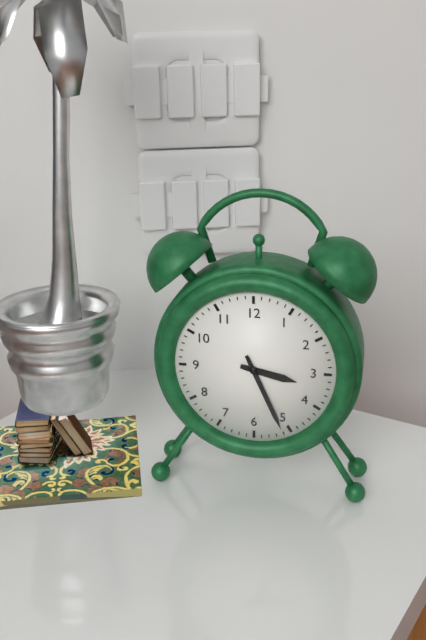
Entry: 3:26
